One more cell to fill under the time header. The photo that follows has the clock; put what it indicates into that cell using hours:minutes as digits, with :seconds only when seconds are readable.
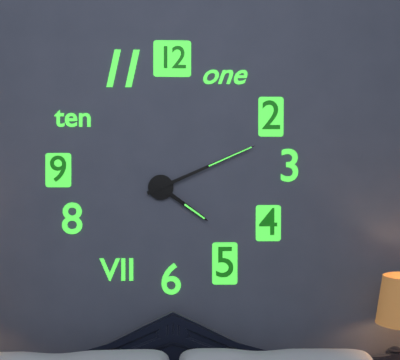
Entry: 4:11
